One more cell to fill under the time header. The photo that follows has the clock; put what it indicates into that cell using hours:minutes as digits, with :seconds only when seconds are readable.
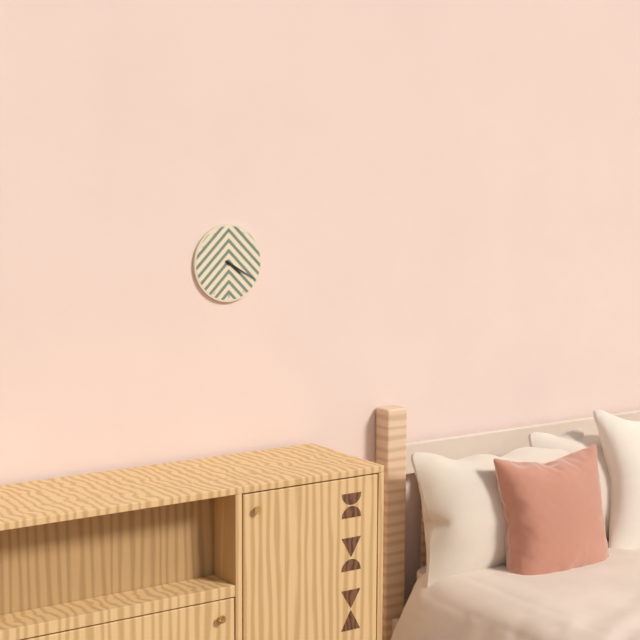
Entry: 4:20
